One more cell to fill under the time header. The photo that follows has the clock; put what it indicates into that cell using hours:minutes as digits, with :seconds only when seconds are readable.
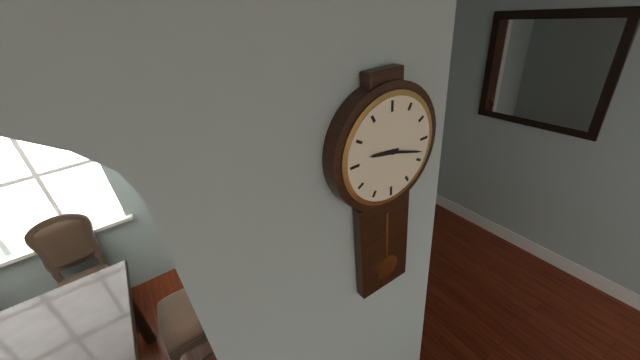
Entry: 9:18
